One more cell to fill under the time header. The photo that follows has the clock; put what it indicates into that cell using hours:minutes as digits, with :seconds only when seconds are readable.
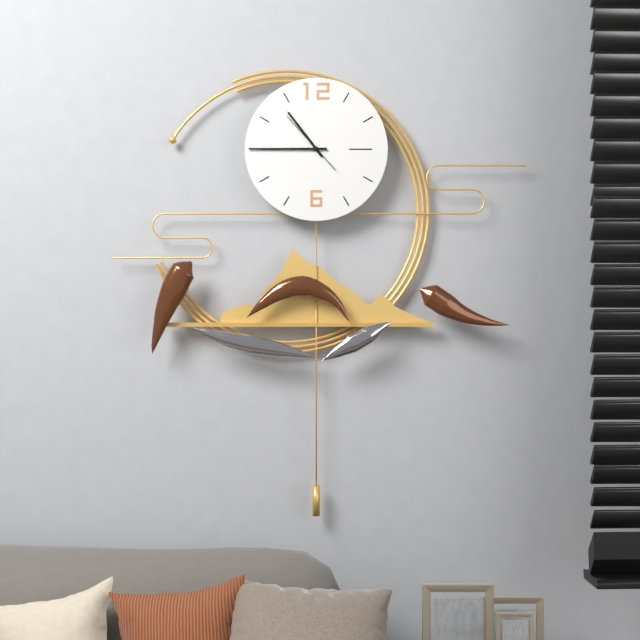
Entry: 10:45:53
